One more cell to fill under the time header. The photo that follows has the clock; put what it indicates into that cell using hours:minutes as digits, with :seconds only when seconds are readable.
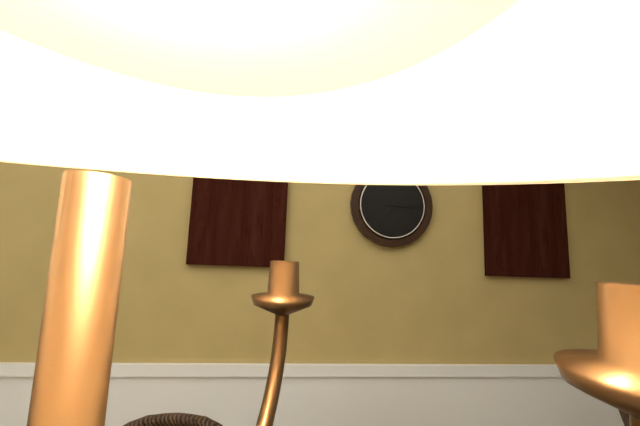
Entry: 7:16
